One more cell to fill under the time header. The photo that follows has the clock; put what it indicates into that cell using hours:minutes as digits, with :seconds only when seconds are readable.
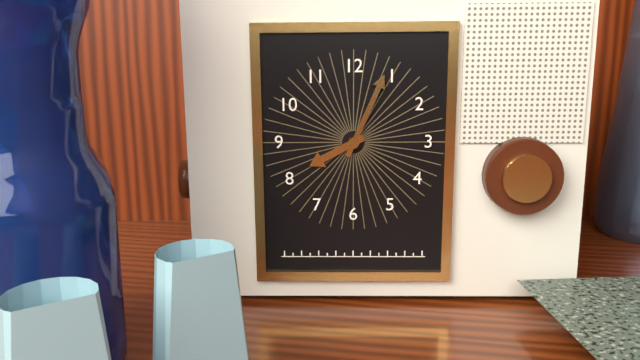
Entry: 8:04
